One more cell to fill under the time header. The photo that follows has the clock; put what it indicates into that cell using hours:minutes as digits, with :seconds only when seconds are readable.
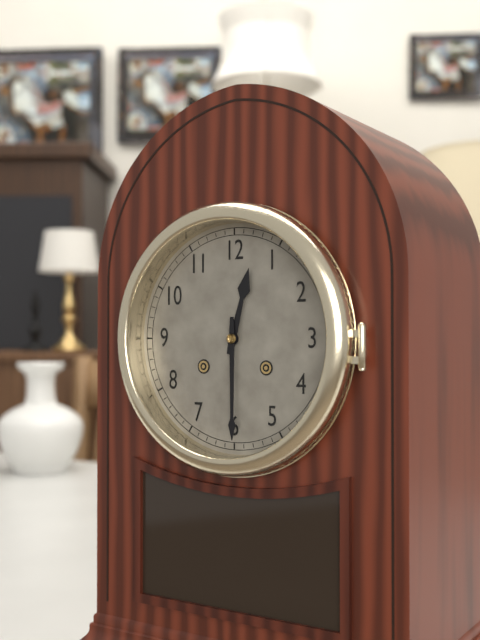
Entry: 12:30
